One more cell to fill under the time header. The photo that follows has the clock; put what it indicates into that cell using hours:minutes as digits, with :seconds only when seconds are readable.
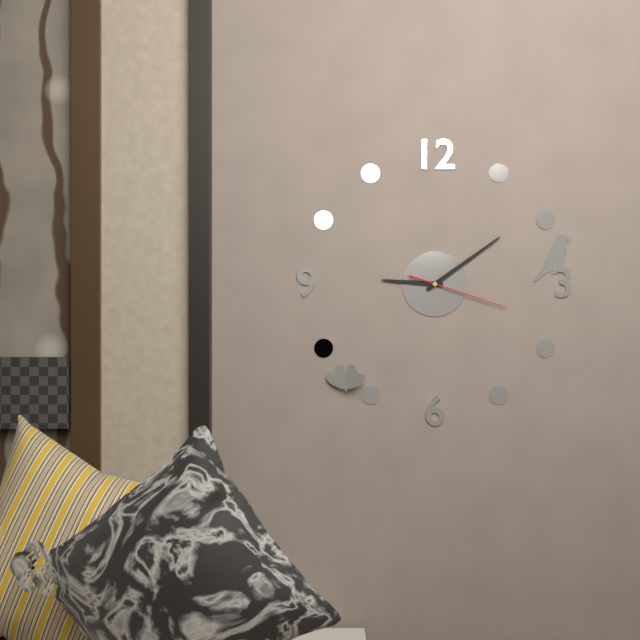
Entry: 9:09:18
